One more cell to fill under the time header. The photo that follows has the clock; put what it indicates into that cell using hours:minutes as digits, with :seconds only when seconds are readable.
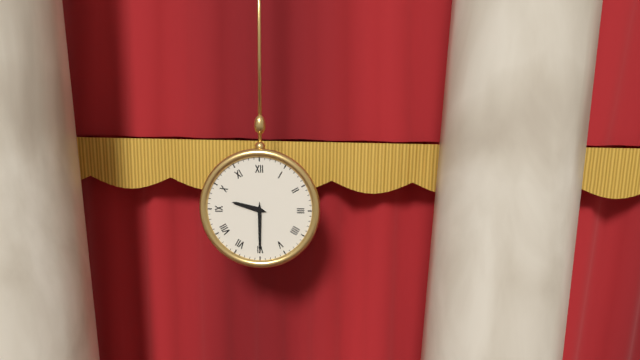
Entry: 9:30
